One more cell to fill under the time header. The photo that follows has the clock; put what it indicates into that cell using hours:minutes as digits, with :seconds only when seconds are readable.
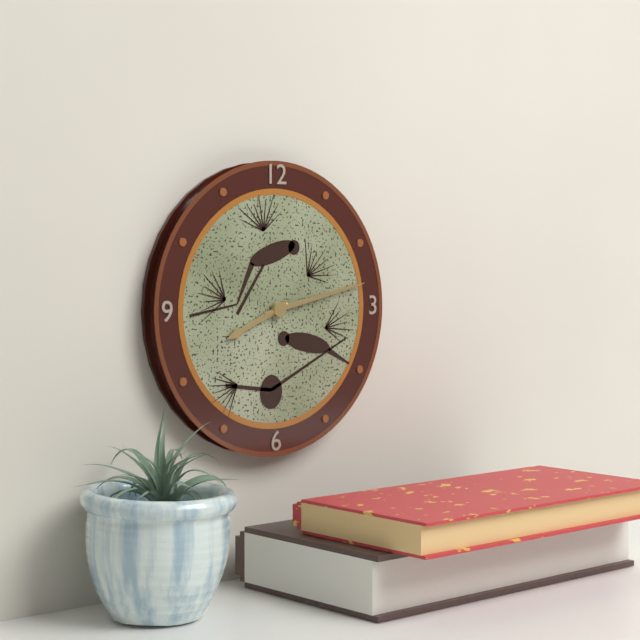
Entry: 8:13
